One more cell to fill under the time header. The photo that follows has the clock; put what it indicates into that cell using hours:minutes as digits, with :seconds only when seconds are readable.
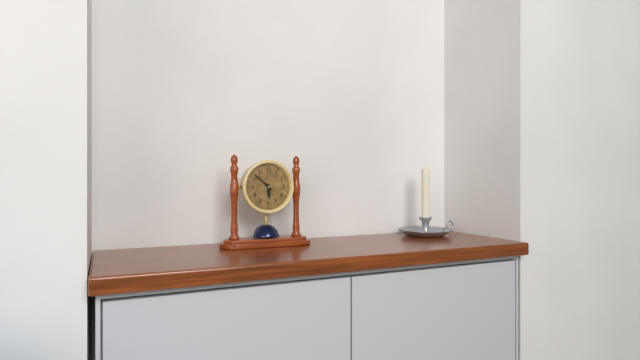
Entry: 5:52
